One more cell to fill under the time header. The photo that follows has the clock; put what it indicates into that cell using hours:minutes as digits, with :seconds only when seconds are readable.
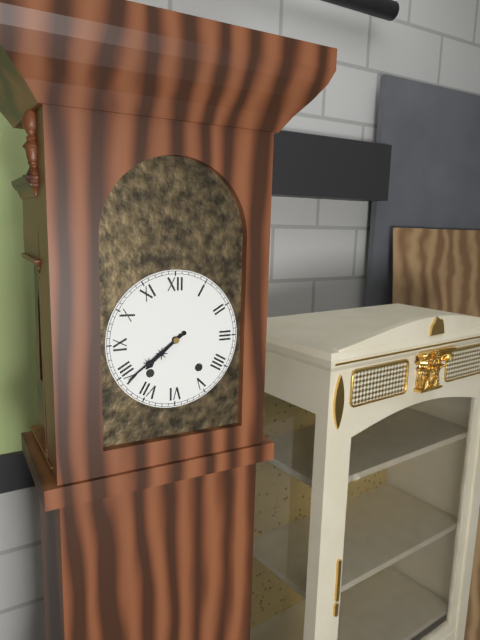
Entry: 7:39
